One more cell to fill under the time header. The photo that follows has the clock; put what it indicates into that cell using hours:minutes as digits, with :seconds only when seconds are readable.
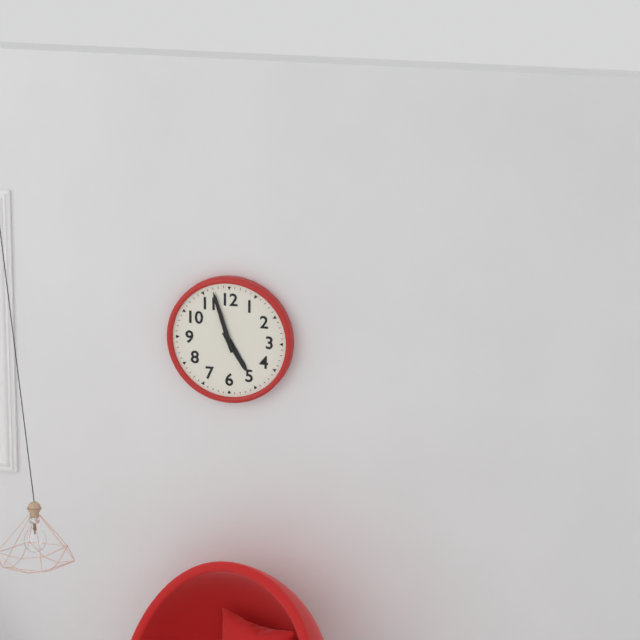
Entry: 4:57
